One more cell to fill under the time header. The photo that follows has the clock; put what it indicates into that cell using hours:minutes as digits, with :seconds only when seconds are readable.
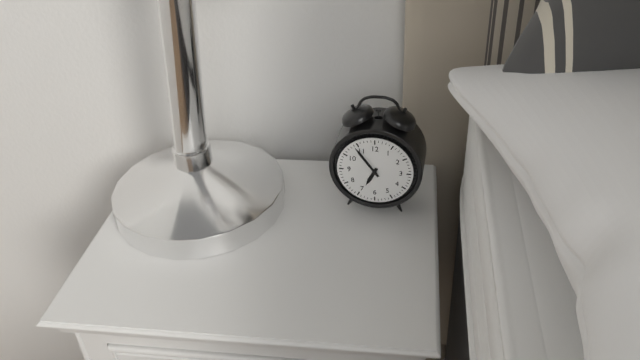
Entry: 6:54
